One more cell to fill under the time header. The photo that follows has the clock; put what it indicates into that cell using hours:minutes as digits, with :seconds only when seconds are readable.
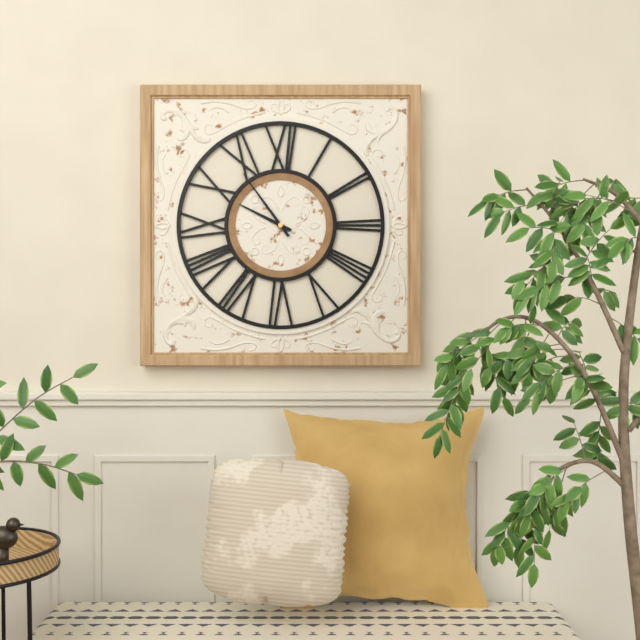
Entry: 9:54
